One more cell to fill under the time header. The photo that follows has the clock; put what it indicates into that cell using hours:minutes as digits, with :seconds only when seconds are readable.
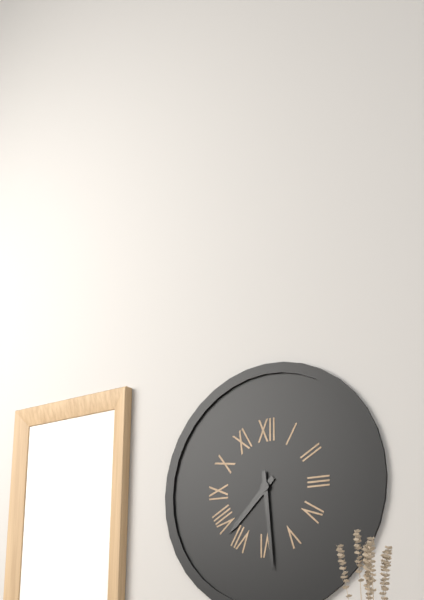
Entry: 7:29
